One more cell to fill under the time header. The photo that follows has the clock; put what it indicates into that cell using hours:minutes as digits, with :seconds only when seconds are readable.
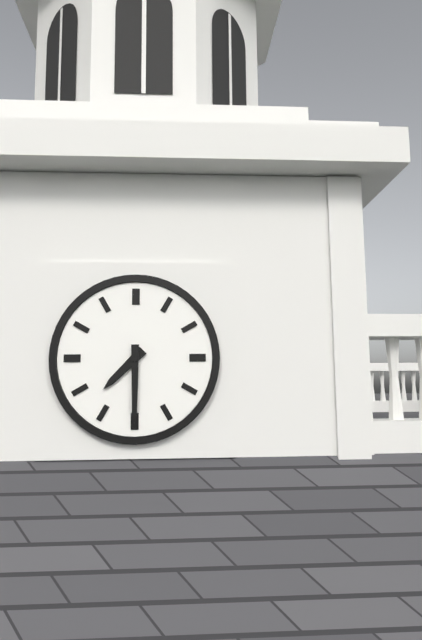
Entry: 7:30
